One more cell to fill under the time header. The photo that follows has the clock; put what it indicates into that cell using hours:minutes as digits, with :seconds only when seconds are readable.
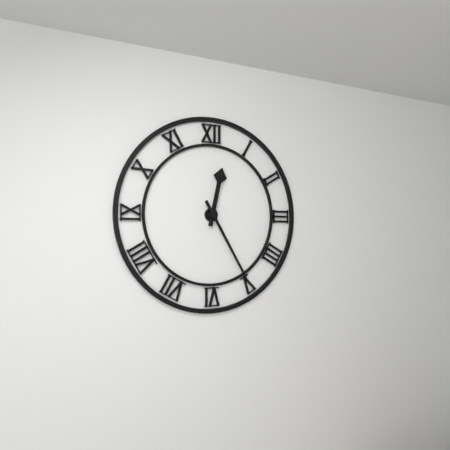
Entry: 12:25
